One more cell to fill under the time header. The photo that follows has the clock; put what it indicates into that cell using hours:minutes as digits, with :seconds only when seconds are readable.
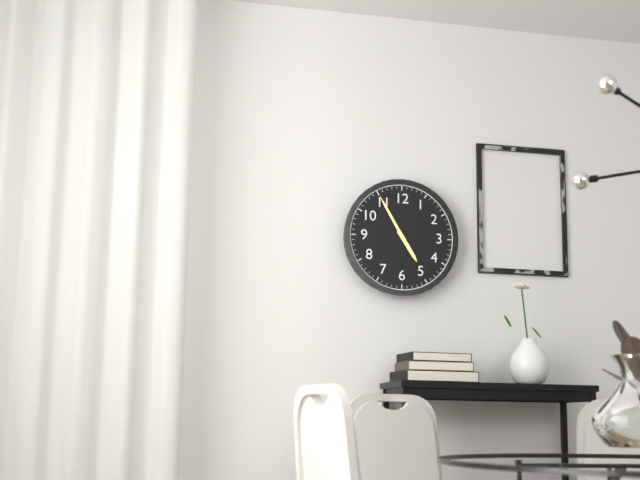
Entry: 4:55
